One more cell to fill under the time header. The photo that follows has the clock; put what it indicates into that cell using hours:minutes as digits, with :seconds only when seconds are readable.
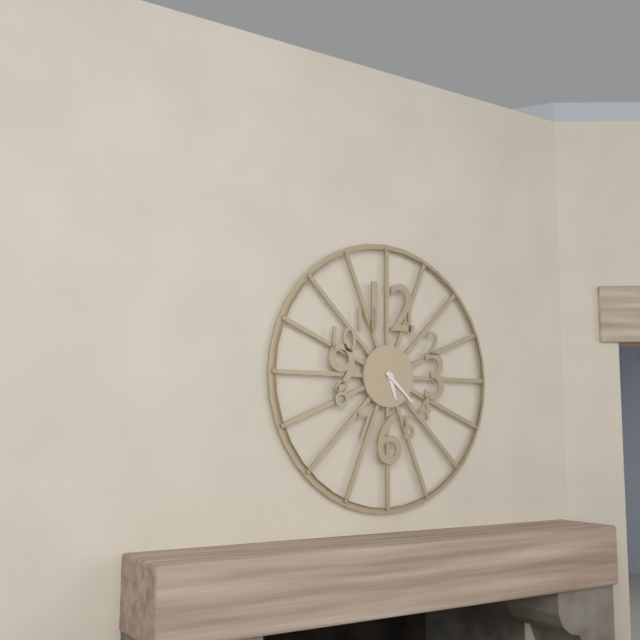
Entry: 5:22
